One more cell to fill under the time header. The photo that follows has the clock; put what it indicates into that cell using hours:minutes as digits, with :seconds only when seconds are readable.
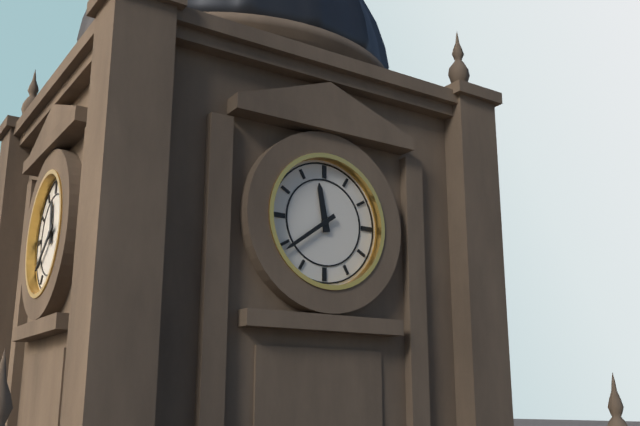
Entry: 11:39
